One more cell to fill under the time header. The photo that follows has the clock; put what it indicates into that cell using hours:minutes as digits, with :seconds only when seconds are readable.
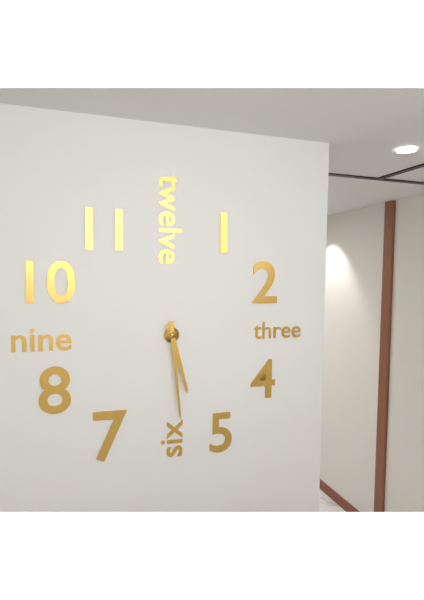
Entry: 5:29
